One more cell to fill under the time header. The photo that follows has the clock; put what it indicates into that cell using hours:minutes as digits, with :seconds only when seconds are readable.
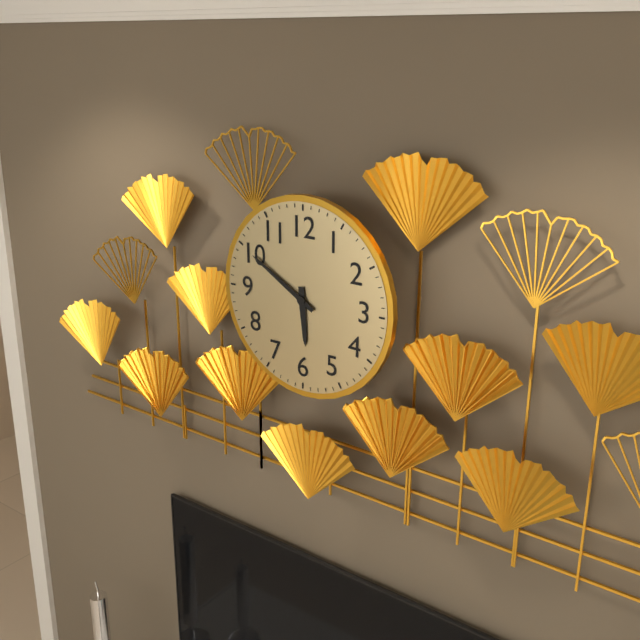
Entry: 5:50
